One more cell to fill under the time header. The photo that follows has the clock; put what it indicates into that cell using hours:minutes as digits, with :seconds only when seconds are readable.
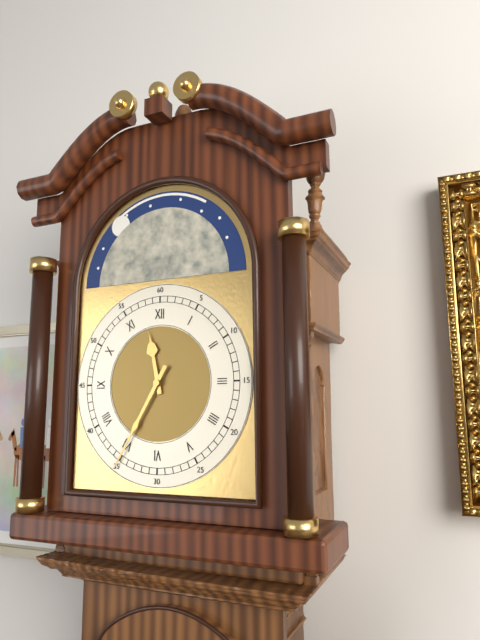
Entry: 11:35
